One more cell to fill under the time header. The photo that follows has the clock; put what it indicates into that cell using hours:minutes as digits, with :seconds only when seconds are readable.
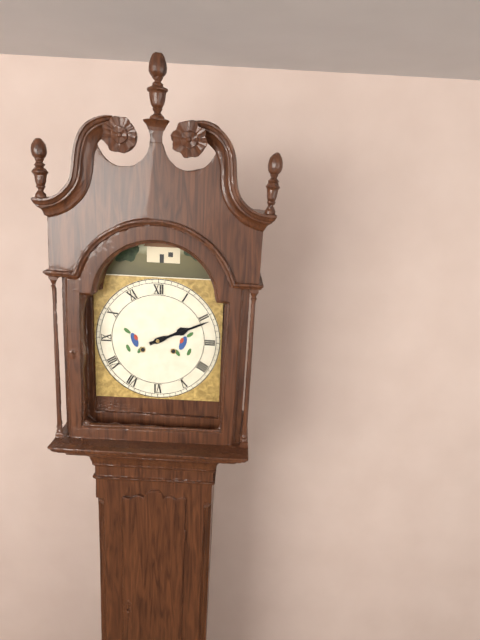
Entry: 2:11
